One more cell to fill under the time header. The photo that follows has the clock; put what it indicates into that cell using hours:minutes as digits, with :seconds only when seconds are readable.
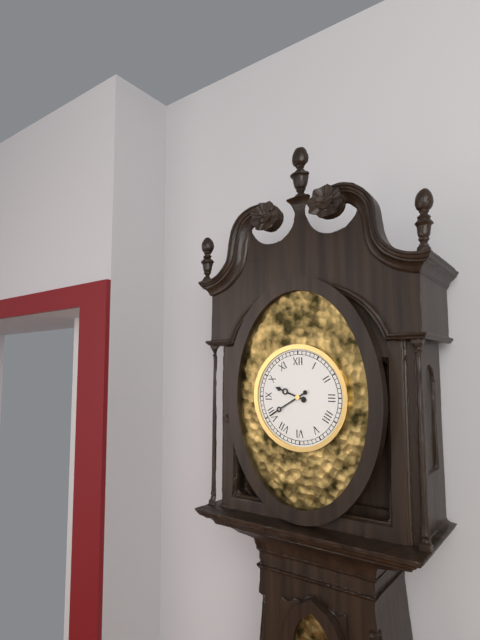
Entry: 9:40
